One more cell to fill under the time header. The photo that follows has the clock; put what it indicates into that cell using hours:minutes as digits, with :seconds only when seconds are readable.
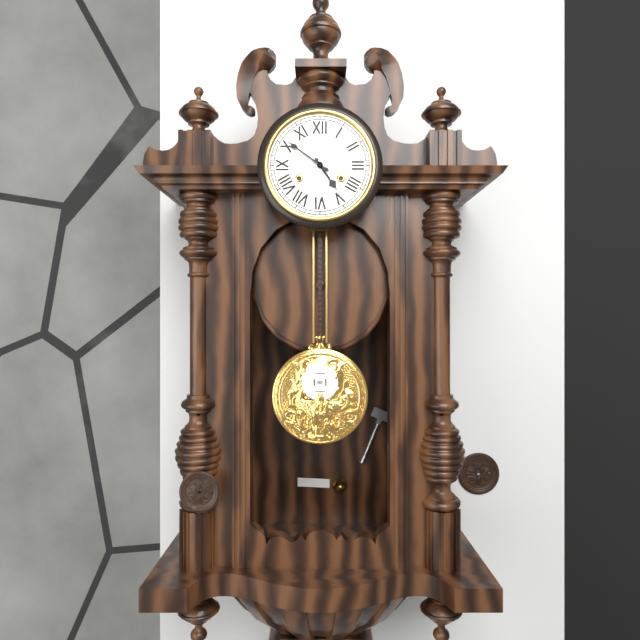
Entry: 4:51
